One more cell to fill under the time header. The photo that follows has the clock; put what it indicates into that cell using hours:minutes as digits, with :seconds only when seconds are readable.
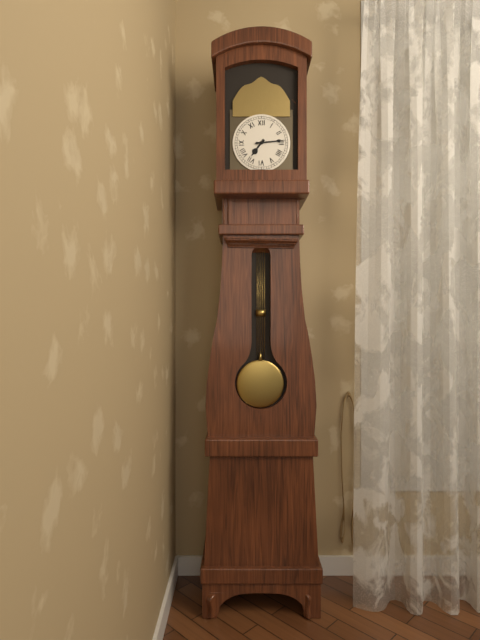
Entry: 7:14
